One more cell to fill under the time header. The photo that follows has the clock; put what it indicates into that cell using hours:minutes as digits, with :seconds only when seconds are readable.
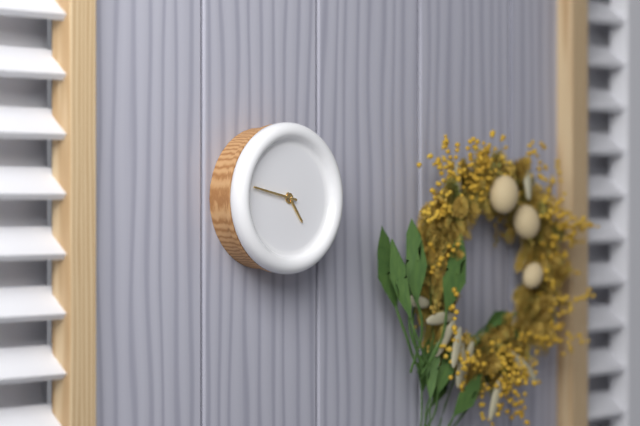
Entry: 4:47
